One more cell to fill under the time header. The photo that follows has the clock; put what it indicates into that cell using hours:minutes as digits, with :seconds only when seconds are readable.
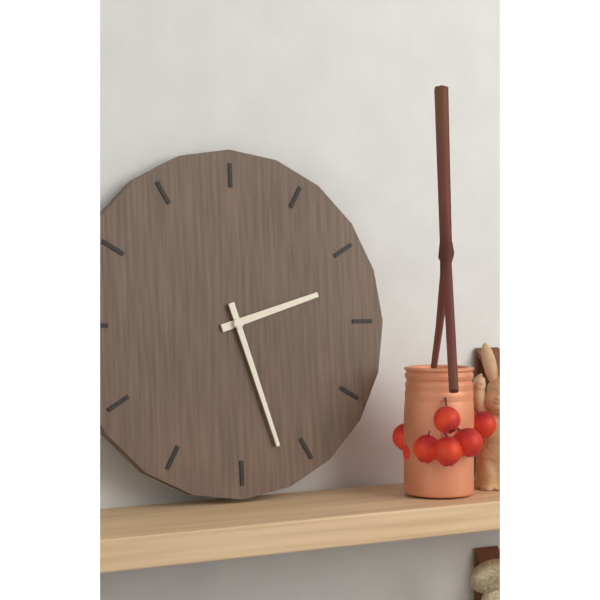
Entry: 2:27
